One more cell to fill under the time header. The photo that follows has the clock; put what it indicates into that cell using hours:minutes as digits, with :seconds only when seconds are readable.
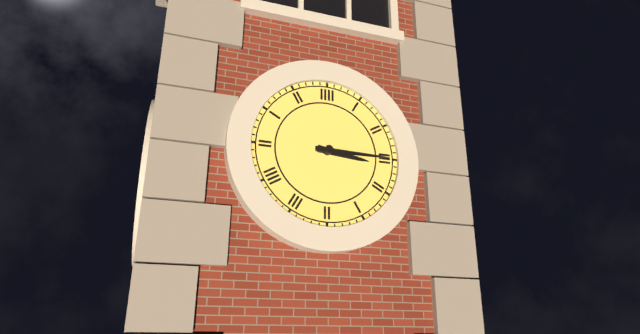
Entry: 3:15
